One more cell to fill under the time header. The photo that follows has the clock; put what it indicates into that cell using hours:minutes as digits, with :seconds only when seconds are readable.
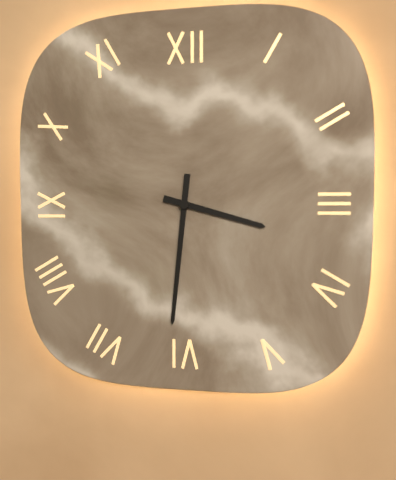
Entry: 3:31
